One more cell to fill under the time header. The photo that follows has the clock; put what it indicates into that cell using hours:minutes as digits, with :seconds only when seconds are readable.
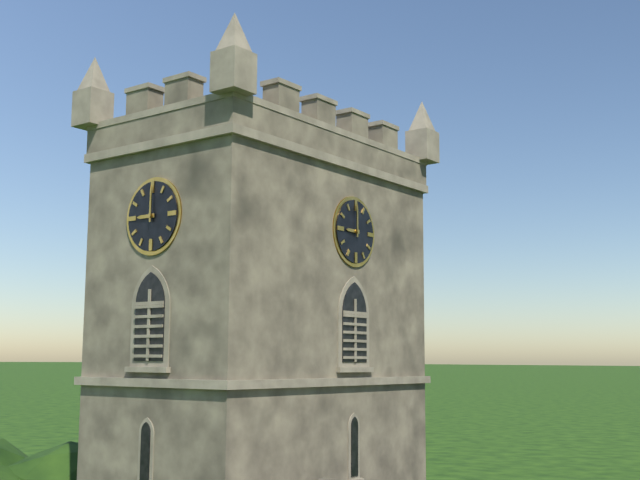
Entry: 9:00
